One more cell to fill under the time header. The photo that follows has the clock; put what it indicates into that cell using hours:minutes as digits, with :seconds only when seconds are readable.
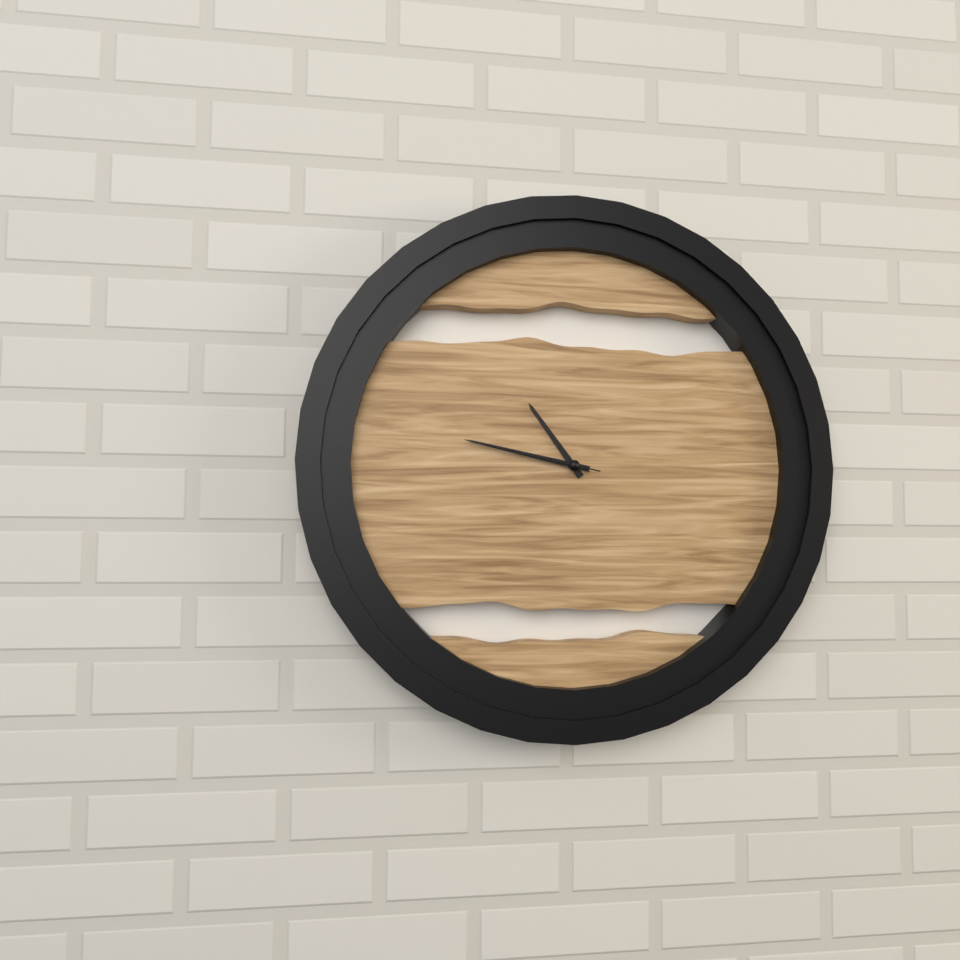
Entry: 10:47:47
